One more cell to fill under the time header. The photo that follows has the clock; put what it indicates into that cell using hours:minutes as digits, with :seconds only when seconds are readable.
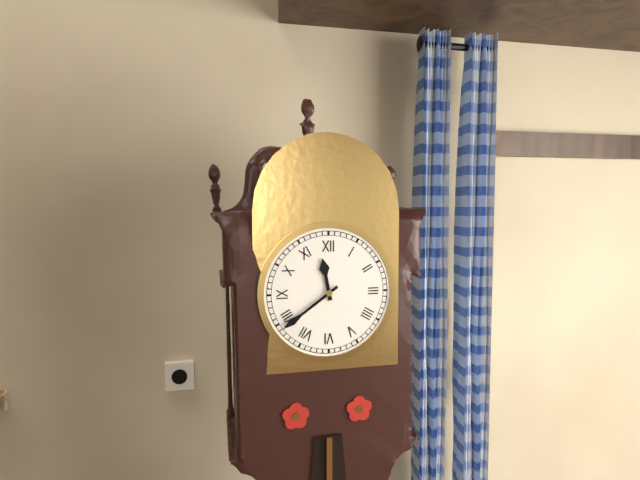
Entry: 11:39
